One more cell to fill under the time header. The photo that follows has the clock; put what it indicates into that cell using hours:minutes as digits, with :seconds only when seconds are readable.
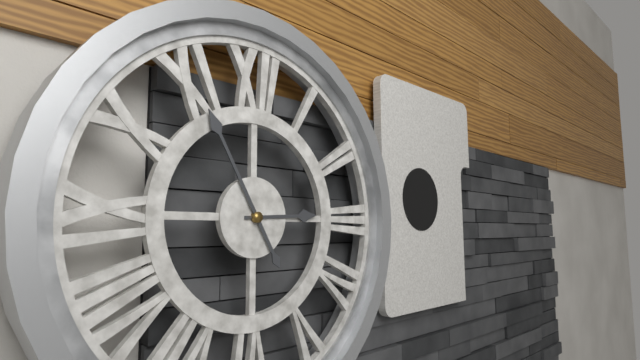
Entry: 2:55
